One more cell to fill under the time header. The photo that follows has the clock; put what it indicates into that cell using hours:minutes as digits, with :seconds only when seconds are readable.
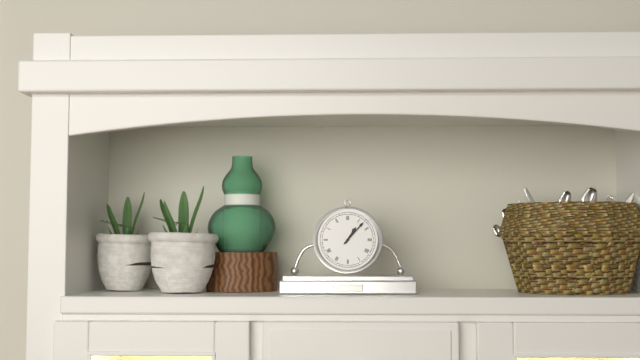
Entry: 1:07
